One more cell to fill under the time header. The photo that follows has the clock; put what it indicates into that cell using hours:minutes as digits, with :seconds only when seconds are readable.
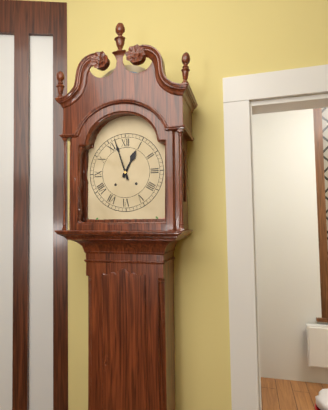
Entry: 12:57
